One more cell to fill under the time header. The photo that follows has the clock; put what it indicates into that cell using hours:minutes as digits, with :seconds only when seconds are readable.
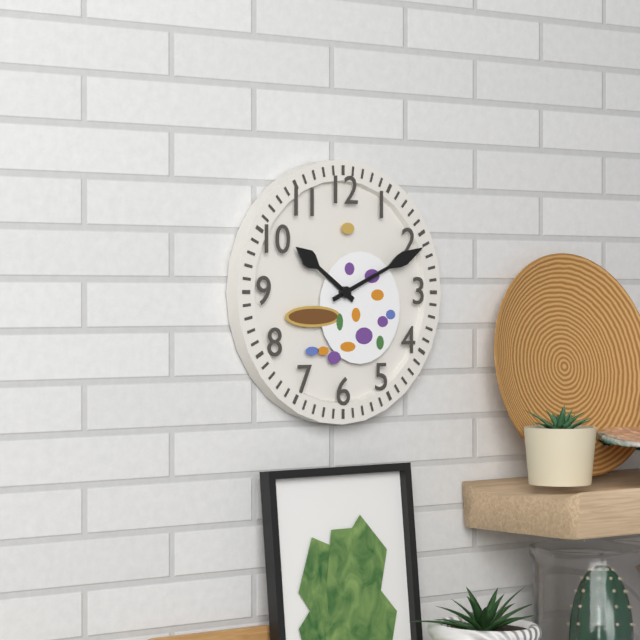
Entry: 10:11
